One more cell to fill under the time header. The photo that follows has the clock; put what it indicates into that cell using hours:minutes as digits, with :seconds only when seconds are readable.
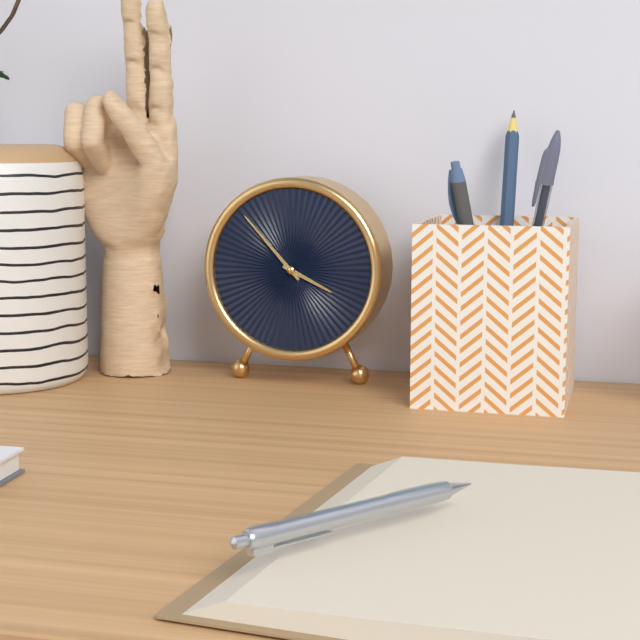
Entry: 3:53
